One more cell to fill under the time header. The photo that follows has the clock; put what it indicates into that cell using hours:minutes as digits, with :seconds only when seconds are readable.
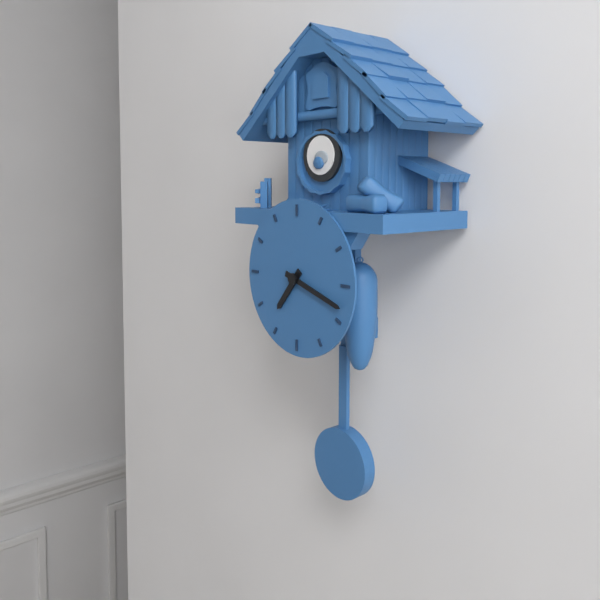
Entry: 7:18
